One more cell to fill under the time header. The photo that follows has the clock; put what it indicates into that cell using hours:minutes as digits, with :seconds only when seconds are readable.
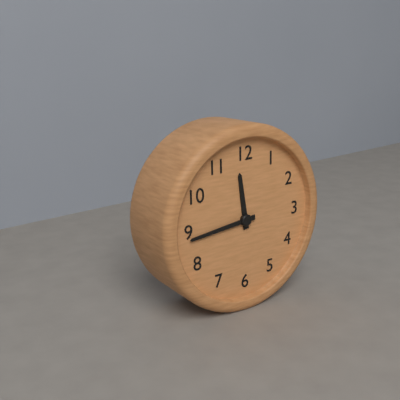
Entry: 11:44
